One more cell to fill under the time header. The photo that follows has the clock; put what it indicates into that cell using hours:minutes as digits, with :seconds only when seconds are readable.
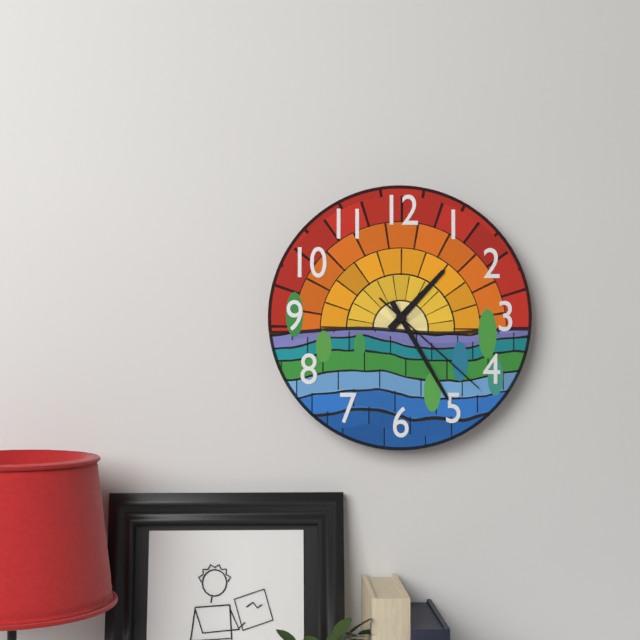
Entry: 1:25:22
